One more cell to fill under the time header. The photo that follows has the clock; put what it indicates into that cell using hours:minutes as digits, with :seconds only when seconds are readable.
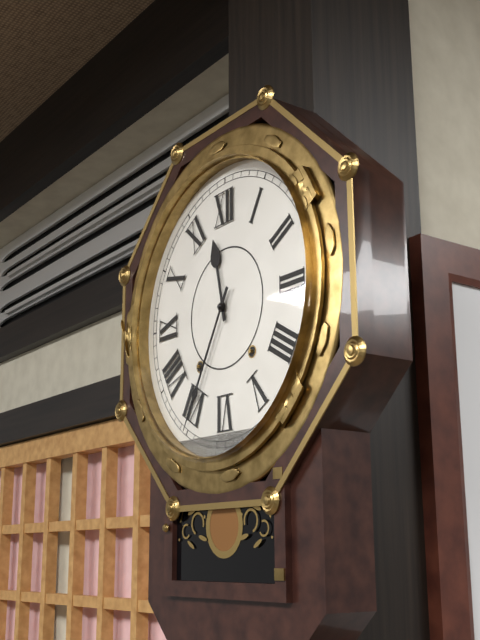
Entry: 11:35
